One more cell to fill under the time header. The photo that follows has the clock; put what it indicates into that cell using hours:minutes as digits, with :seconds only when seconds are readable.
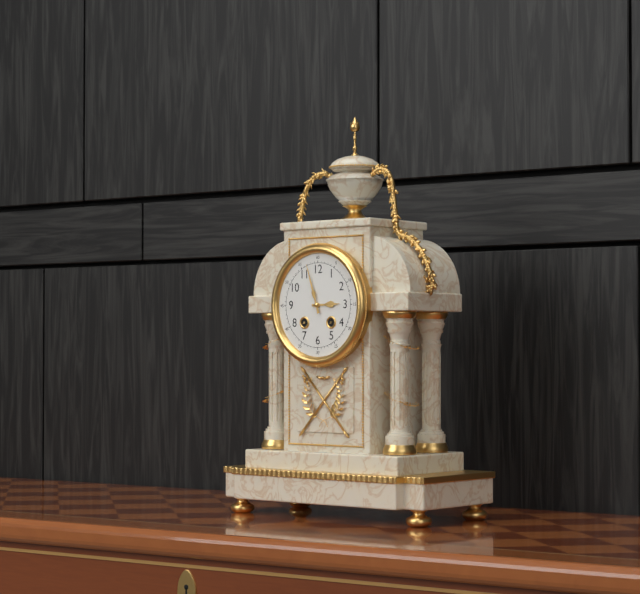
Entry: 2:57
